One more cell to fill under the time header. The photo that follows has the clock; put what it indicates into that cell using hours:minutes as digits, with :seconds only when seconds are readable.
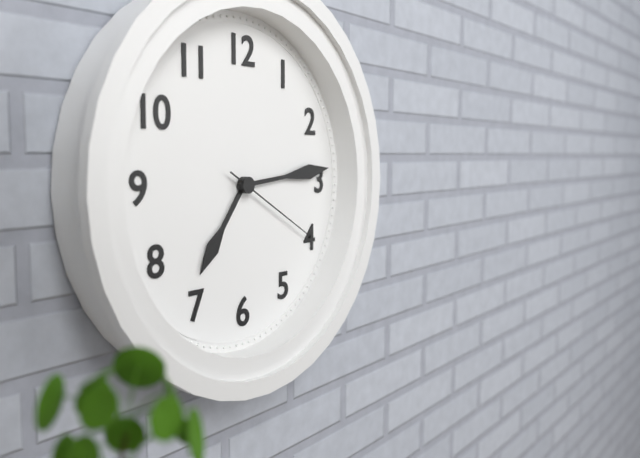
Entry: 7:14:20
